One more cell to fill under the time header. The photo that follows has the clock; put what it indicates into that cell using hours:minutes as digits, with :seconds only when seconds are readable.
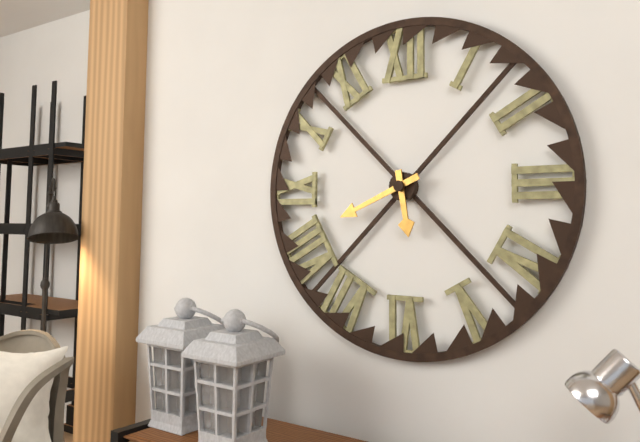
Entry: 5:41
